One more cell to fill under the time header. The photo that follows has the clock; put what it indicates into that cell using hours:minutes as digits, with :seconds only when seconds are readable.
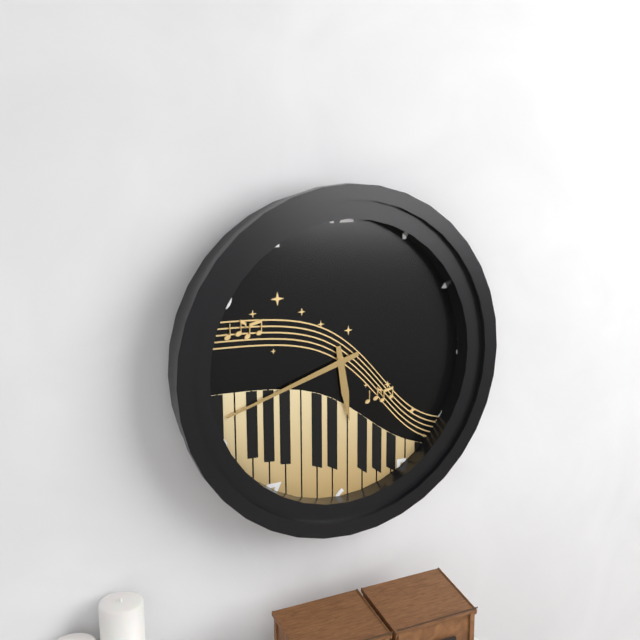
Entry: 5:42
